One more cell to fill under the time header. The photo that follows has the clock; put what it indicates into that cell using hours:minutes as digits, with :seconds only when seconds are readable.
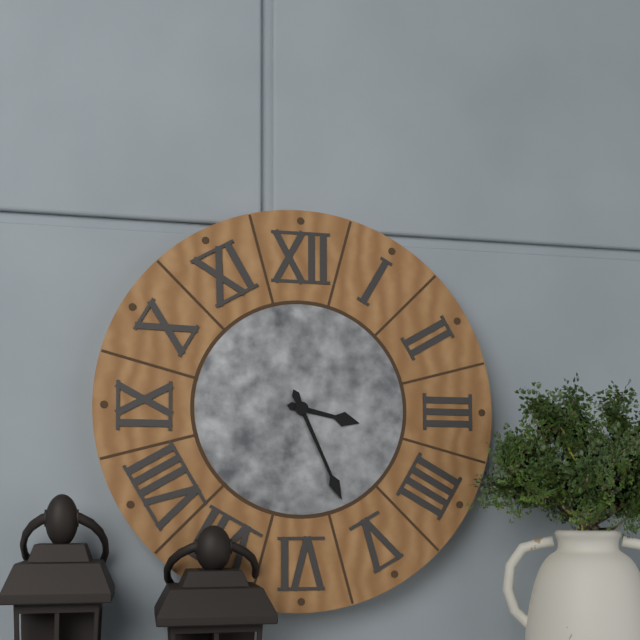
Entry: 3:26
